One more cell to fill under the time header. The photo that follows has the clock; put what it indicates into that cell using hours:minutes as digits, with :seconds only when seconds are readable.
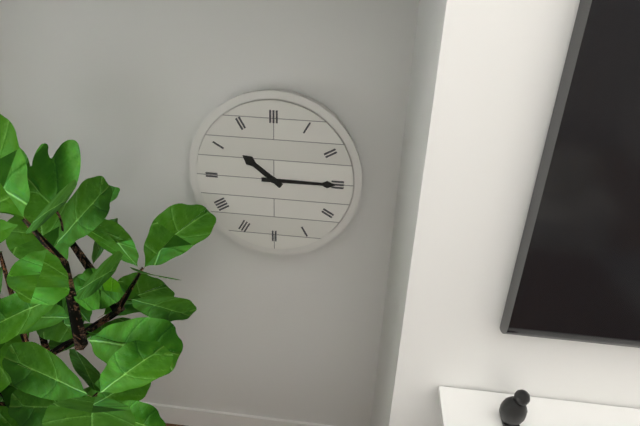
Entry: 10:15
